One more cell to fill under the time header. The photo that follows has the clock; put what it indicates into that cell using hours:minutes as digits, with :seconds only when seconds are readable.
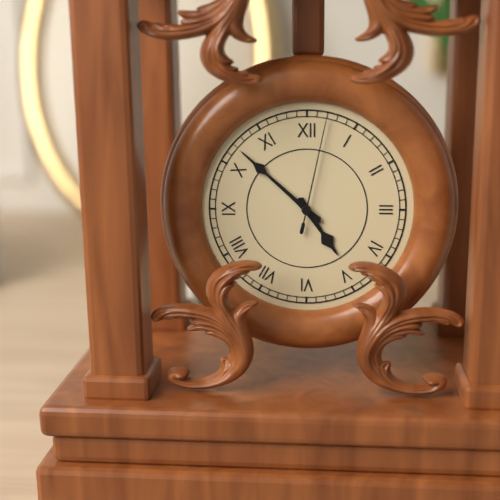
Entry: 4:52:02
